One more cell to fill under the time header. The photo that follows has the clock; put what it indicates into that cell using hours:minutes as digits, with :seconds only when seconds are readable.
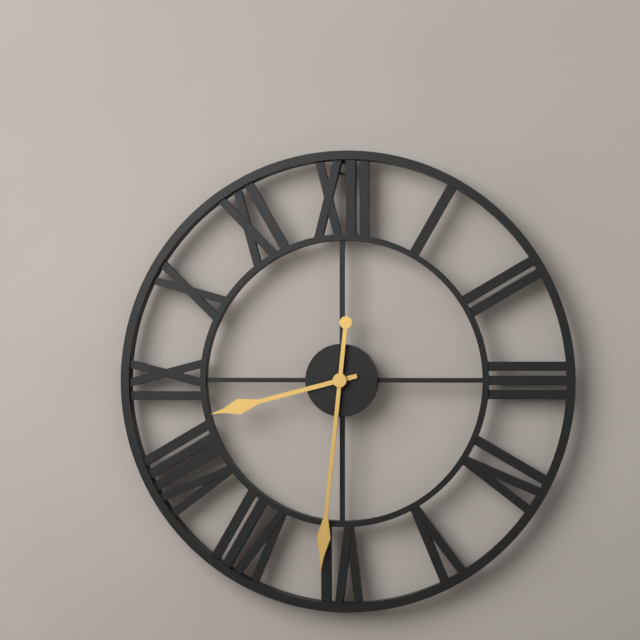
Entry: 8:31
